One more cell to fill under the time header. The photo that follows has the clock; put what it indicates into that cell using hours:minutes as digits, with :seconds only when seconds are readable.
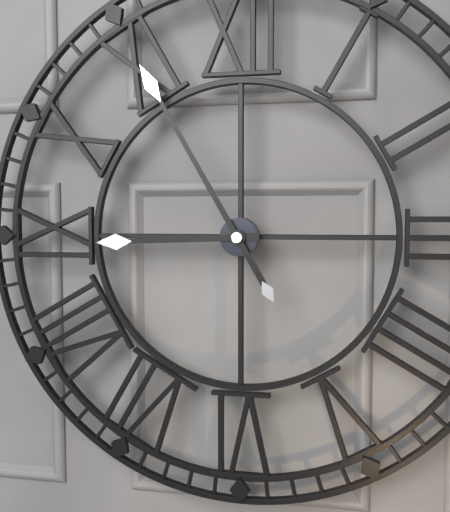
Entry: 8:55
